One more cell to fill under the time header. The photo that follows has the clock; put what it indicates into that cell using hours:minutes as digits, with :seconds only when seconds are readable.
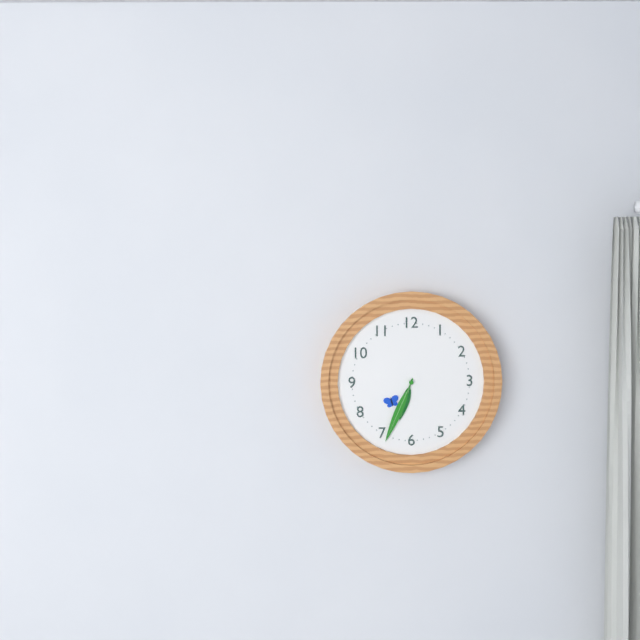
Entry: 6:34
